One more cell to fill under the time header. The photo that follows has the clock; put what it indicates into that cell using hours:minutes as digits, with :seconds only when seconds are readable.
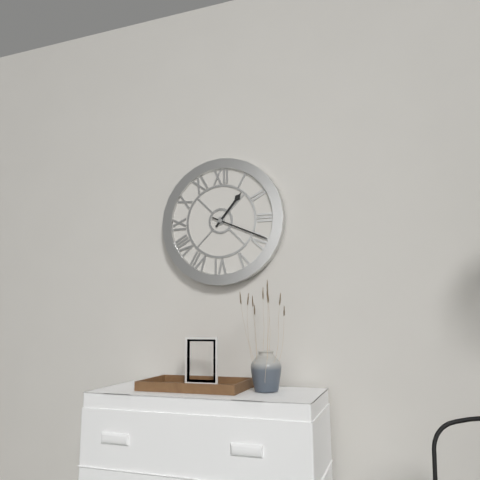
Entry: 1:19
